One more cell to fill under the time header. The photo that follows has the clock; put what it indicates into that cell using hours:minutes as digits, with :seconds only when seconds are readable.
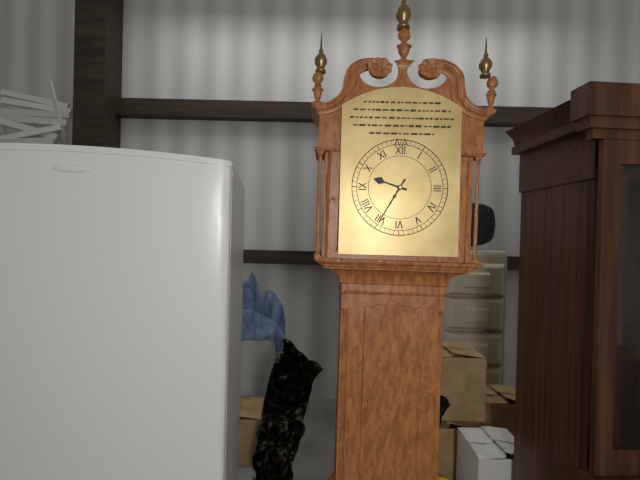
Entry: 9:35
